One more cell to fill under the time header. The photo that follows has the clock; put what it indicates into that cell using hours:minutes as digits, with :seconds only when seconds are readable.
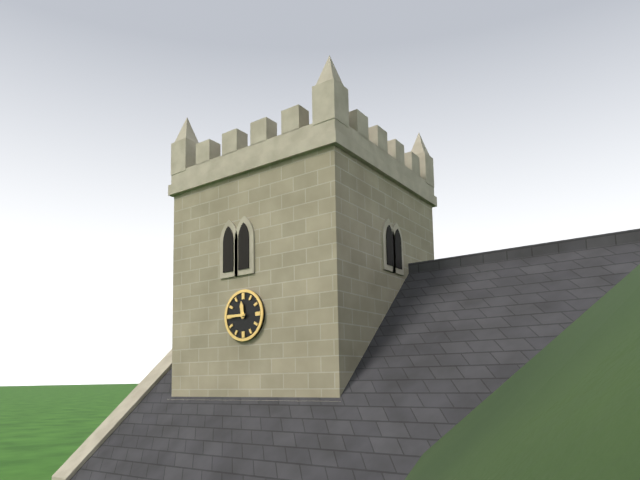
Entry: 11:45
